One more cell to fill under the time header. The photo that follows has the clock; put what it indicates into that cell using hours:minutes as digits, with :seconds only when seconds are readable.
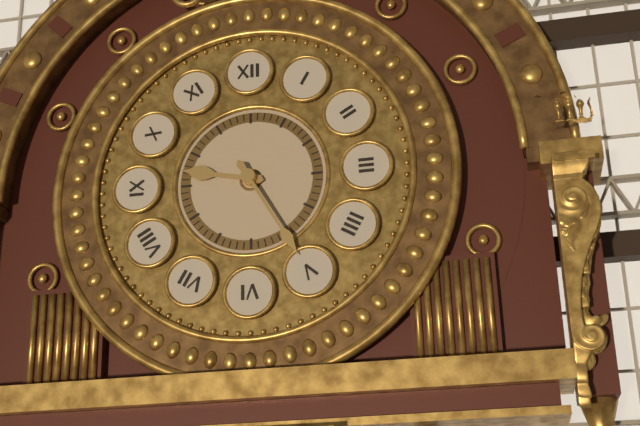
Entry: 9:25
